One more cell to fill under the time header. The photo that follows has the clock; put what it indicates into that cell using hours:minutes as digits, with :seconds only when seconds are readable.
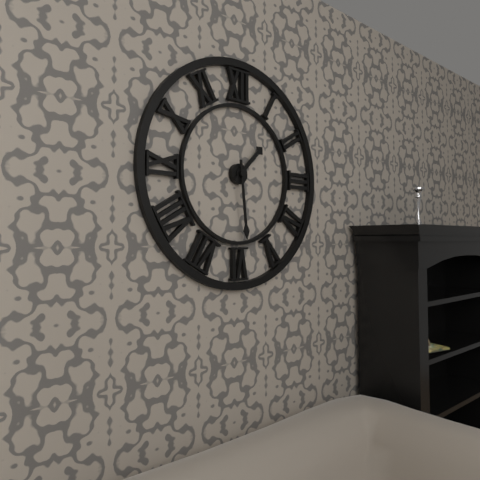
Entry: 1:29
